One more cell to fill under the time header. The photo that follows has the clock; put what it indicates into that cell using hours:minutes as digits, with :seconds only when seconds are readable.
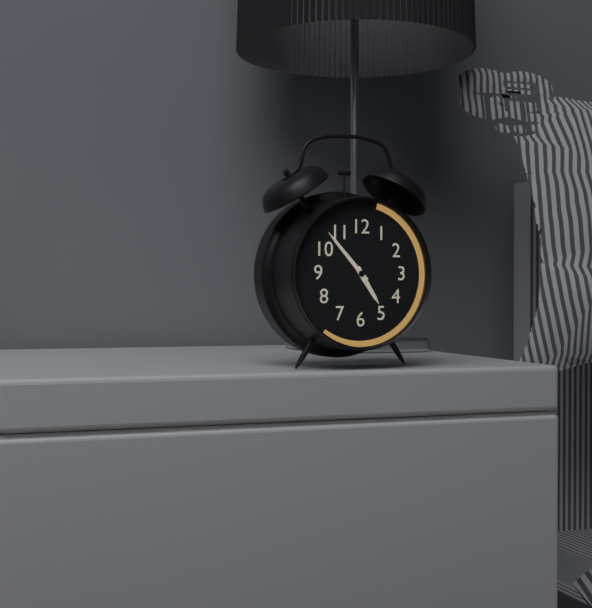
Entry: 4:53
